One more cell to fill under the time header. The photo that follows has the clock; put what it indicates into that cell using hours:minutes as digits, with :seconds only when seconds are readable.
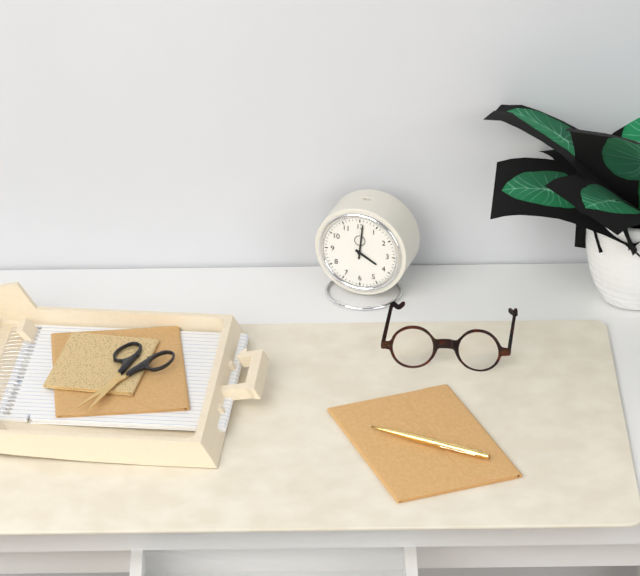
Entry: 4:01
